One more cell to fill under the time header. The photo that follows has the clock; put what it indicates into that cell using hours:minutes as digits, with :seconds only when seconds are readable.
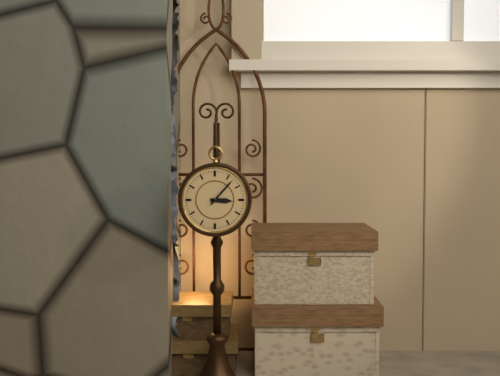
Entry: 3:07
